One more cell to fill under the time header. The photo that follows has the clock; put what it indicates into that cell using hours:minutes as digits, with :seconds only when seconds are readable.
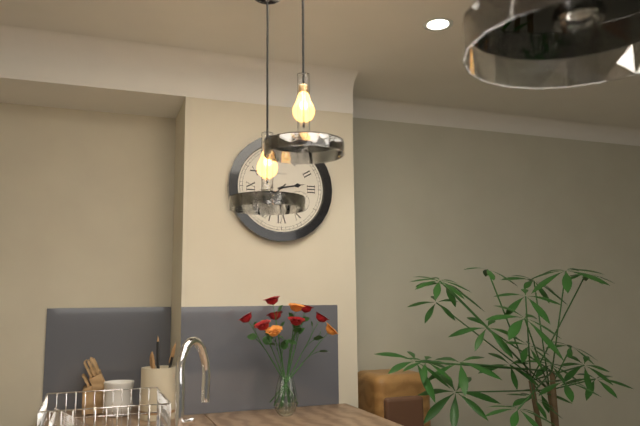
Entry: 2:38
